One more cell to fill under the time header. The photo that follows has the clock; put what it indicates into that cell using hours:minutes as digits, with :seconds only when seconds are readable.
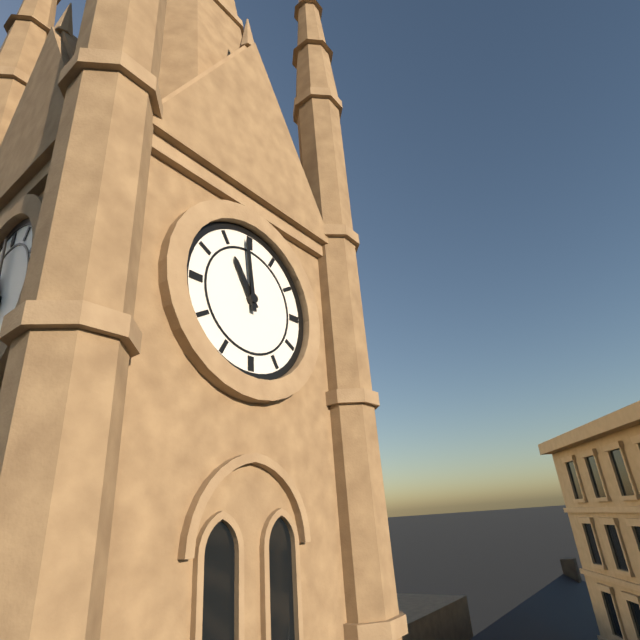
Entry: 10:59
